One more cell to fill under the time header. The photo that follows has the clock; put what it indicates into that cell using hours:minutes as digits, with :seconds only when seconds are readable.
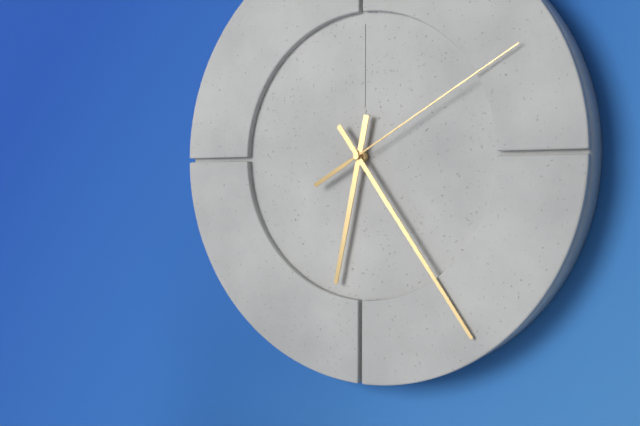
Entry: 6:24:10
